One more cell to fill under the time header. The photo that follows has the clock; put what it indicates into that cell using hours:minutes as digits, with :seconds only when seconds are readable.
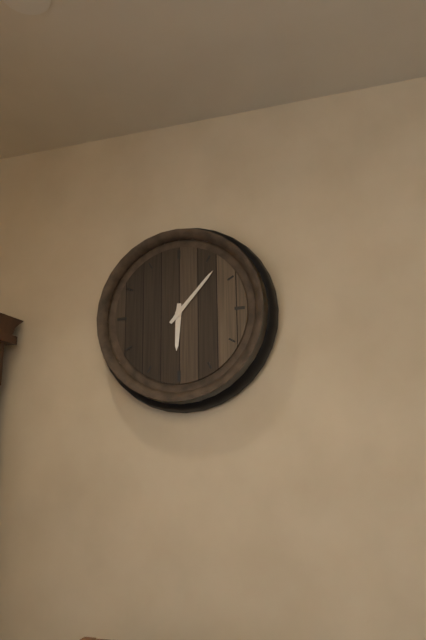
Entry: 6:07
